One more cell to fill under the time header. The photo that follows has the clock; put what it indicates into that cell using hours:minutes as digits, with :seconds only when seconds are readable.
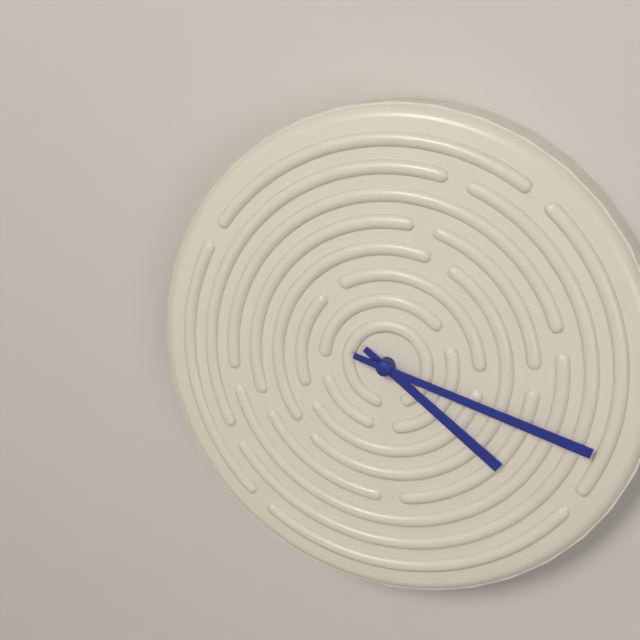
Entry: 4:18
